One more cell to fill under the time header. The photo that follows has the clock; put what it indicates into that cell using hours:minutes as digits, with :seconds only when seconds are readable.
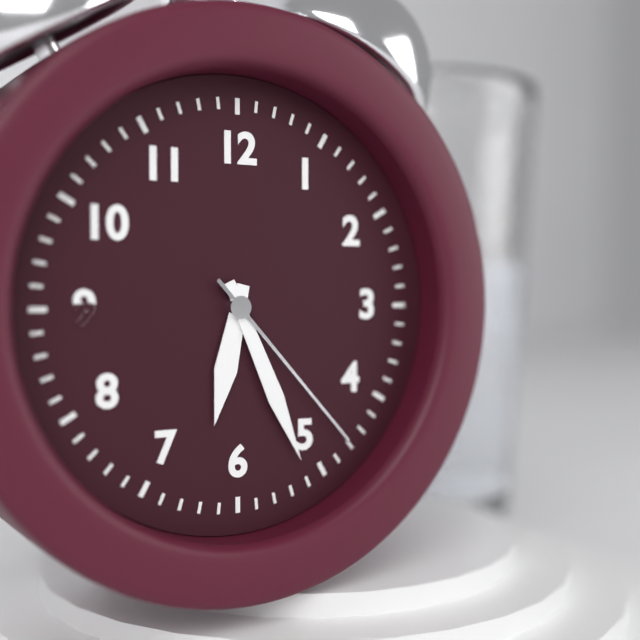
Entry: 6:26:23
